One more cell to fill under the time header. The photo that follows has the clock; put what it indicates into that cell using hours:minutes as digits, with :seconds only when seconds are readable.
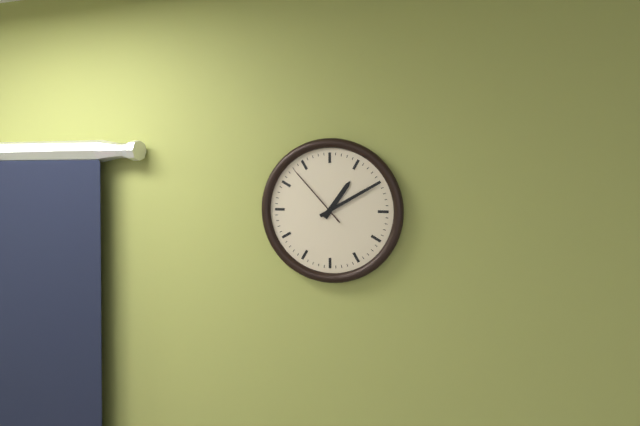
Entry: 1:10:53
